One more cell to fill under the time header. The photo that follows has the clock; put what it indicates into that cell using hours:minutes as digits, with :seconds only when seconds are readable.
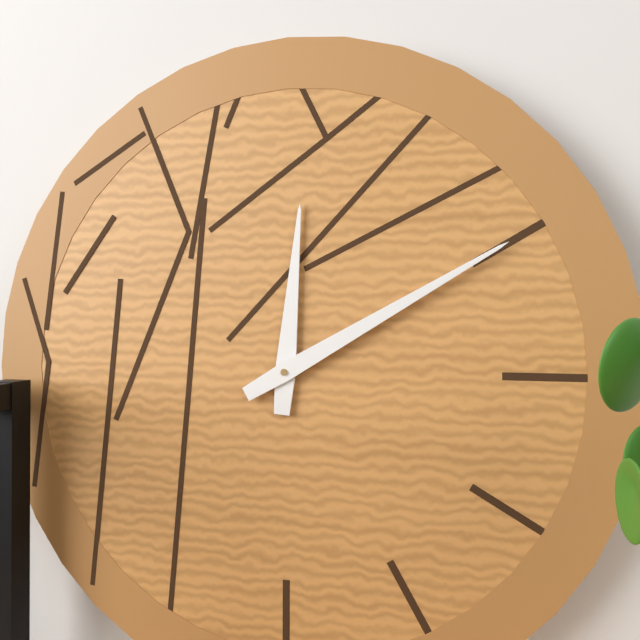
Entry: 12:10
